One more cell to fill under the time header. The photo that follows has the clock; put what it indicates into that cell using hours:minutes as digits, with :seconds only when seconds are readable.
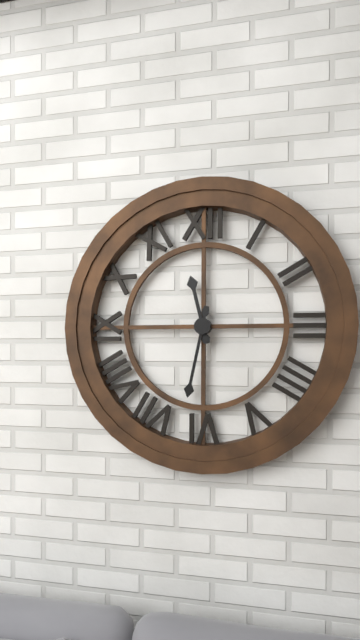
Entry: 11:32
